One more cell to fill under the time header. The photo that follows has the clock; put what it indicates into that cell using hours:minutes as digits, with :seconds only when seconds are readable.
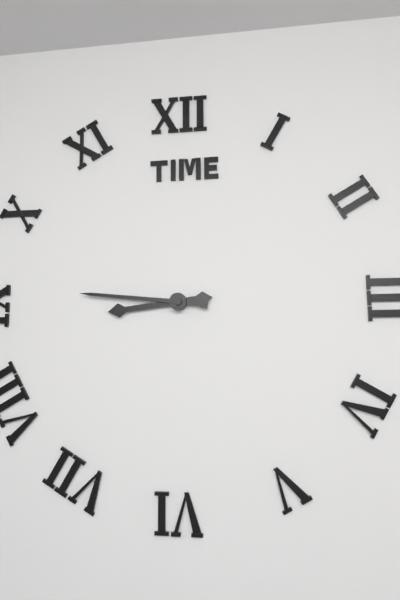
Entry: 8:46
